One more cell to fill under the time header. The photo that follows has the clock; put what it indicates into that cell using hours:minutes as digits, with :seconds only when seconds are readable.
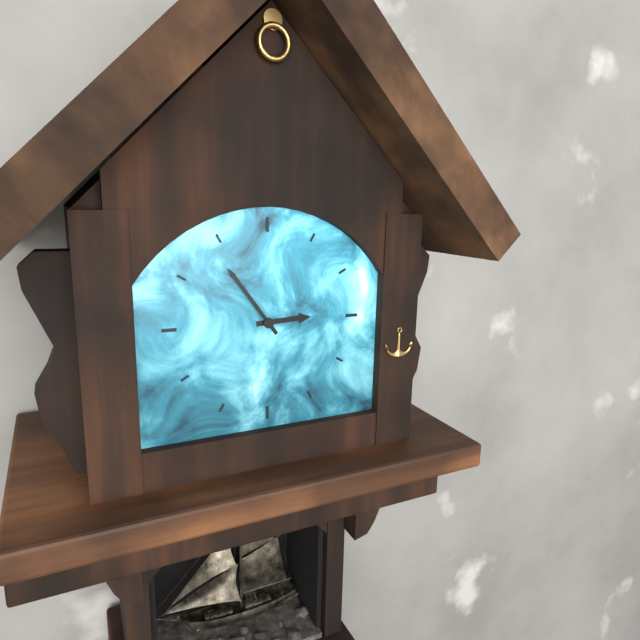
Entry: 2:54
